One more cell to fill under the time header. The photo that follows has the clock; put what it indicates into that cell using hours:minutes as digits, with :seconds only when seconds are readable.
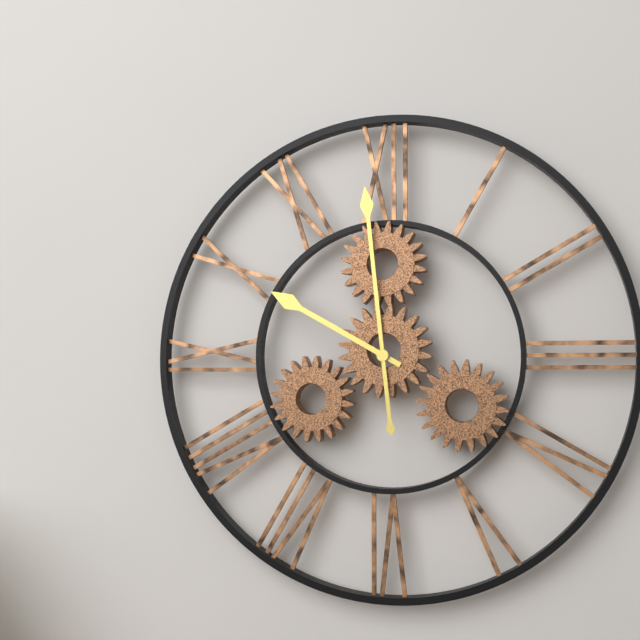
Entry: 9:59
